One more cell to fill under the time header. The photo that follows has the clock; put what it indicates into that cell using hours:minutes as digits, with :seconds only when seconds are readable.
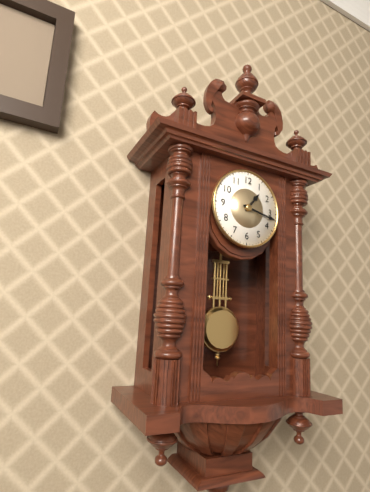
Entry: 1:17
